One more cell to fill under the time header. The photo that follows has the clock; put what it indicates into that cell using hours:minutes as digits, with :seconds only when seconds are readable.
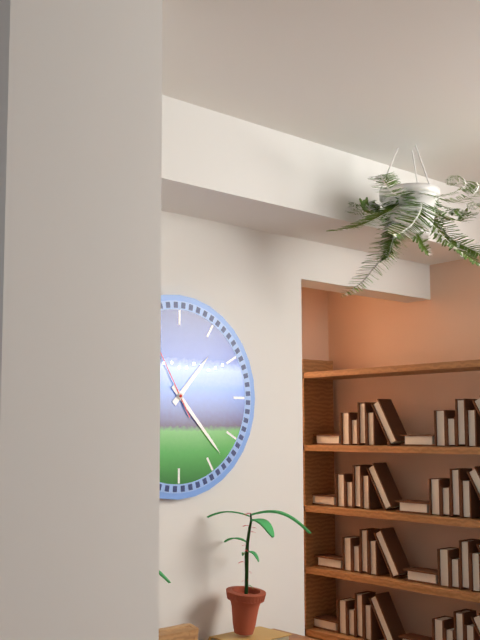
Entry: 1:23
